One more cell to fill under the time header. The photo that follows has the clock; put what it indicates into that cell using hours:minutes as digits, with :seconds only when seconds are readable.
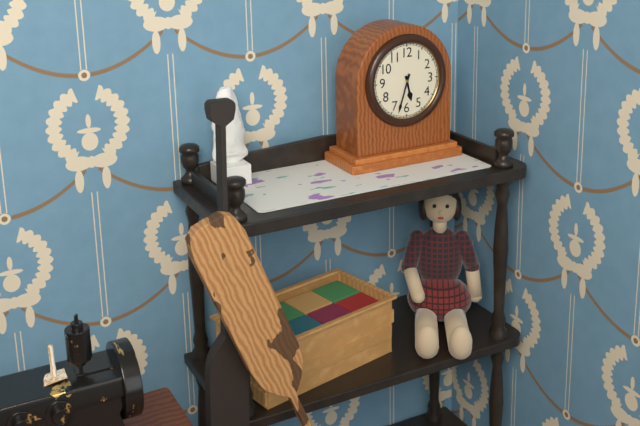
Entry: 5:33
